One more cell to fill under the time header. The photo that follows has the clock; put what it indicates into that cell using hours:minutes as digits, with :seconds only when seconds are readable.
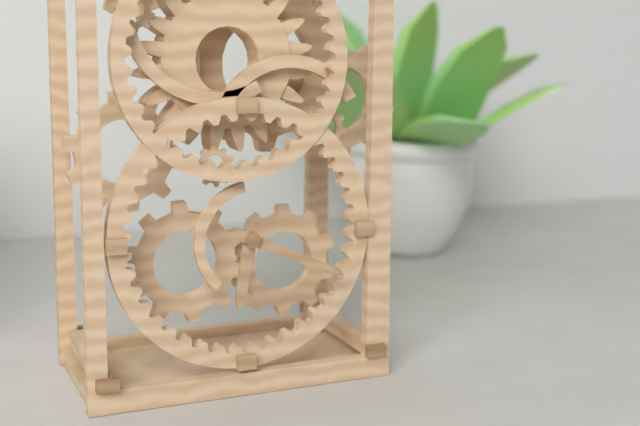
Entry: 6:19
